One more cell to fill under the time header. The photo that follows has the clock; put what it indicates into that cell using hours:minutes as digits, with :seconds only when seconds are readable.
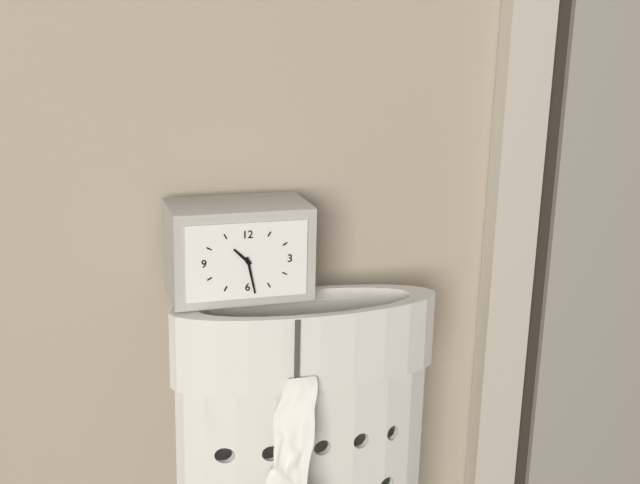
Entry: 10:28
